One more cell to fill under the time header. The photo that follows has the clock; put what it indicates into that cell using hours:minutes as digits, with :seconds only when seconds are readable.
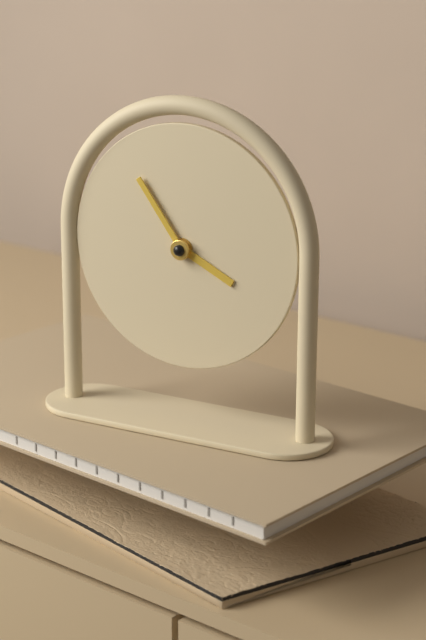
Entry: 3:54
